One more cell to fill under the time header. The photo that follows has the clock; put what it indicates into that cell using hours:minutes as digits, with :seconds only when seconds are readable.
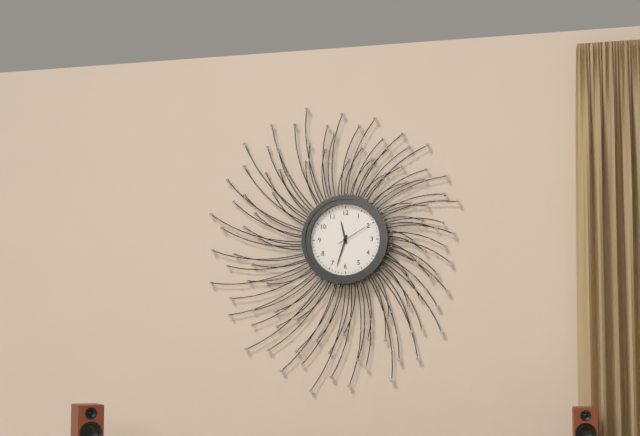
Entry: 11:33
